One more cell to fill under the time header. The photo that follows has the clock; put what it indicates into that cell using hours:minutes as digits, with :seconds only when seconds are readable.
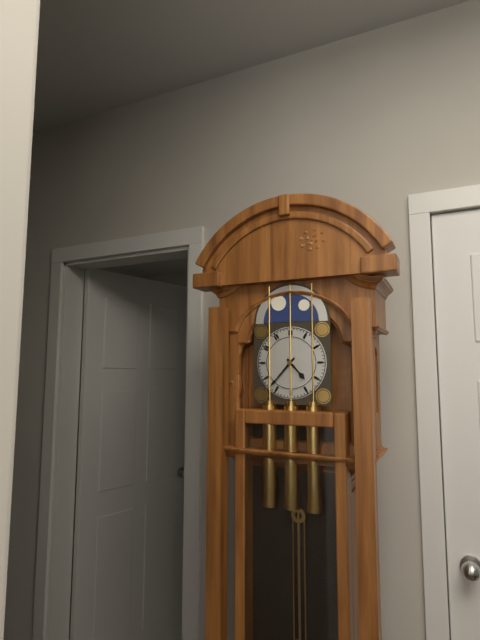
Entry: 4:37
